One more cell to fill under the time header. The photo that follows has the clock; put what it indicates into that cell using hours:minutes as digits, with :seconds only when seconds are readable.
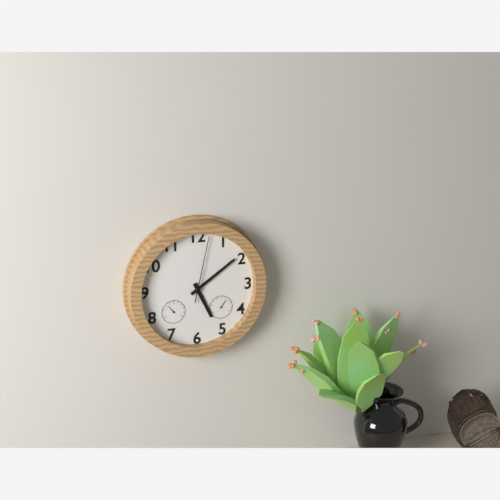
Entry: 5:09:02
